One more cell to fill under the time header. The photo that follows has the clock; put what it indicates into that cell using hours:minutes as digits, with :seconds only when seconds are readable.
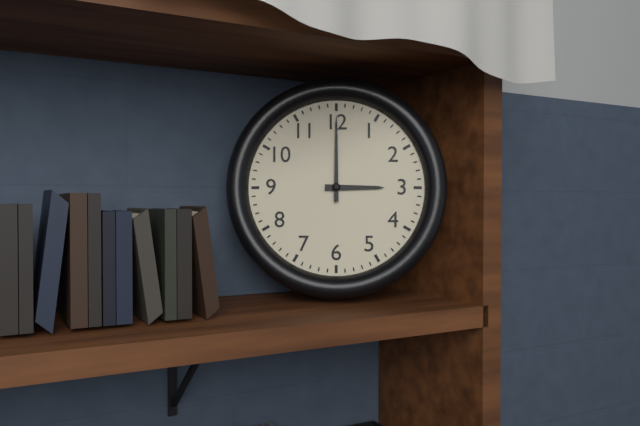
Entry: 3:00
